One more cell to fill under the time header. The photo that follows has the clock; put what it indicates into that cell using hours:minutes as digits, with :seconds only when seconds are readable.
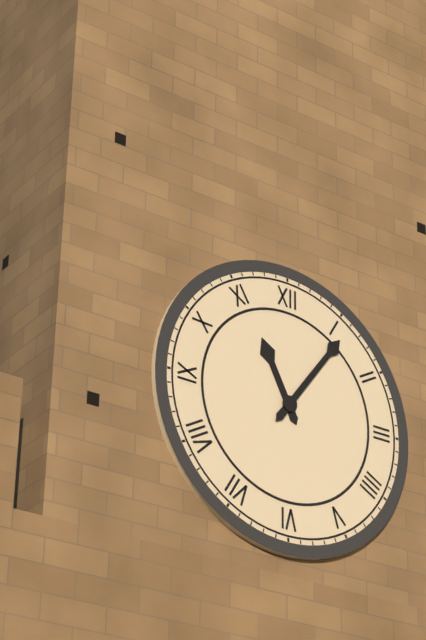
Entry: 11:06
